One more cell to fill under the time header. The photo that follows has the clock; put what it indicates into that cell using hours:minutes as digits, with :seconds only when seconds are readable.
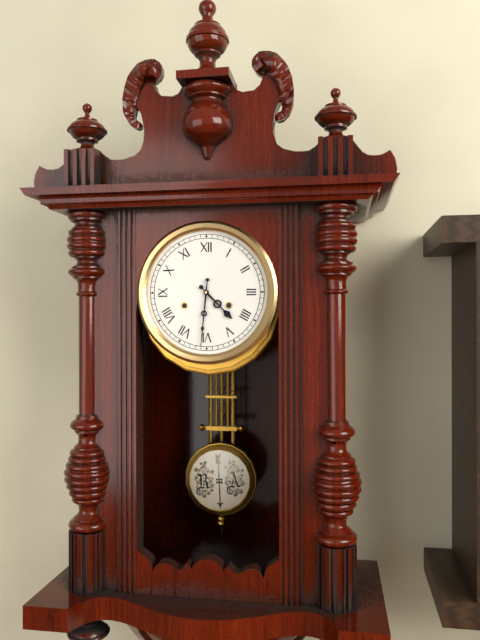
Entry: 4:31
